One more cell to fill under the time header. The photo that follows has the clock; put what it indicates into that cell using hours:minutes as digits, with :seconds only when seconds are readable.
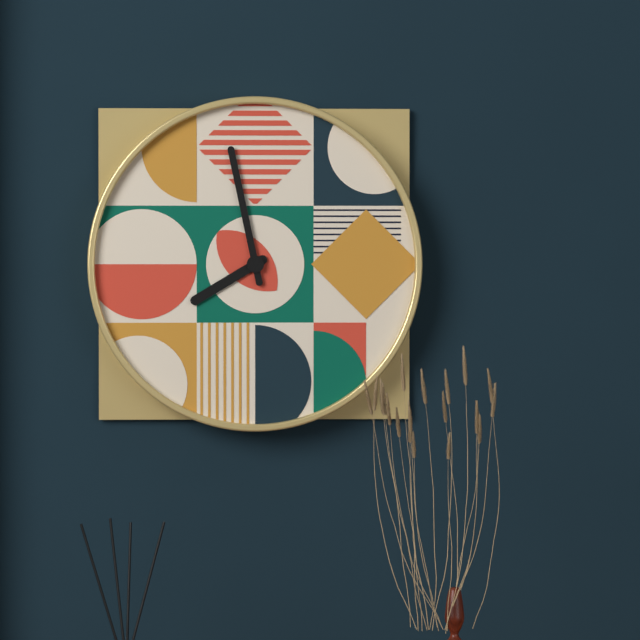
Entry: 7:58
